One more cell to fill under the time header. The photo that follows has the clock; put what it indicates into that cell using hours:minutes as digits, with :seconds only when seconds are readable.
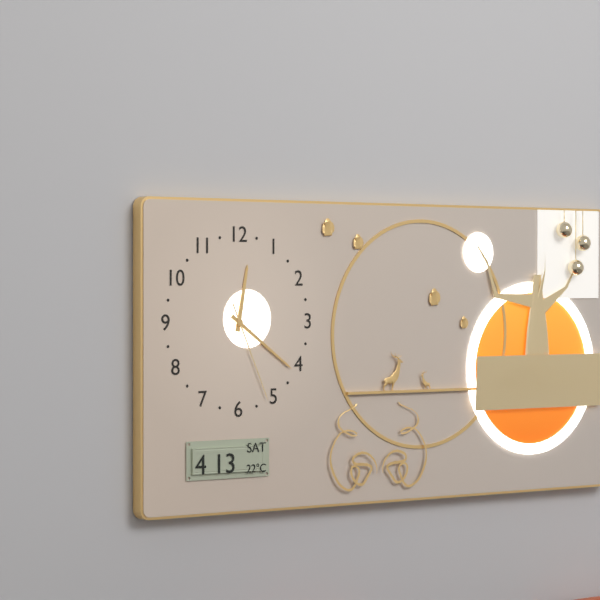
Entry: 12:21:26
